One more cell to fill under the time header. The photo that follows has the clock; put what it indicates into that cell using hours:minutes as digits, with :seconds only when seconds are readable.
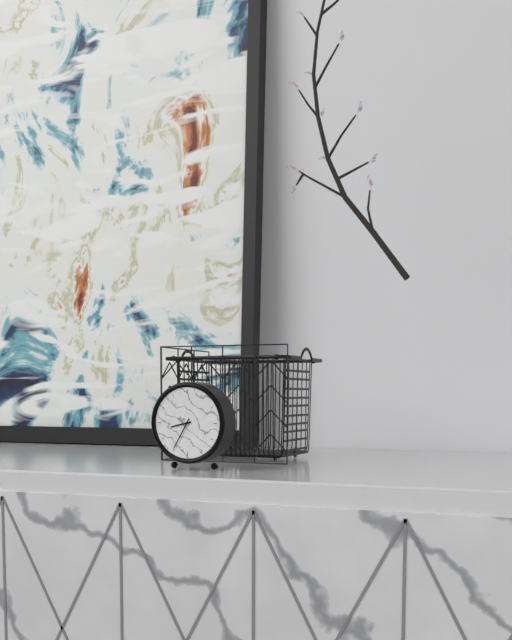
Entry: 8:35
